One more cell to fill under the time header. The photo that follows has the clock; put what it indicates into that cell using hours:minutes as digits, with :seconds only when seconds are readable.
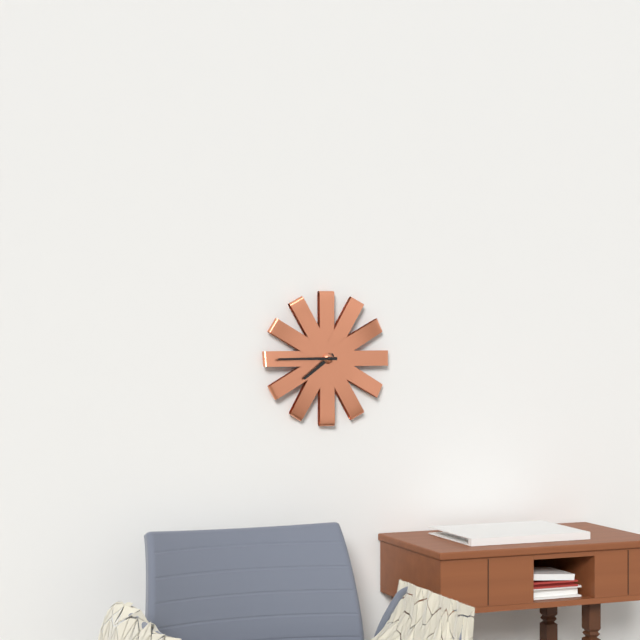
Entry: 7:45
